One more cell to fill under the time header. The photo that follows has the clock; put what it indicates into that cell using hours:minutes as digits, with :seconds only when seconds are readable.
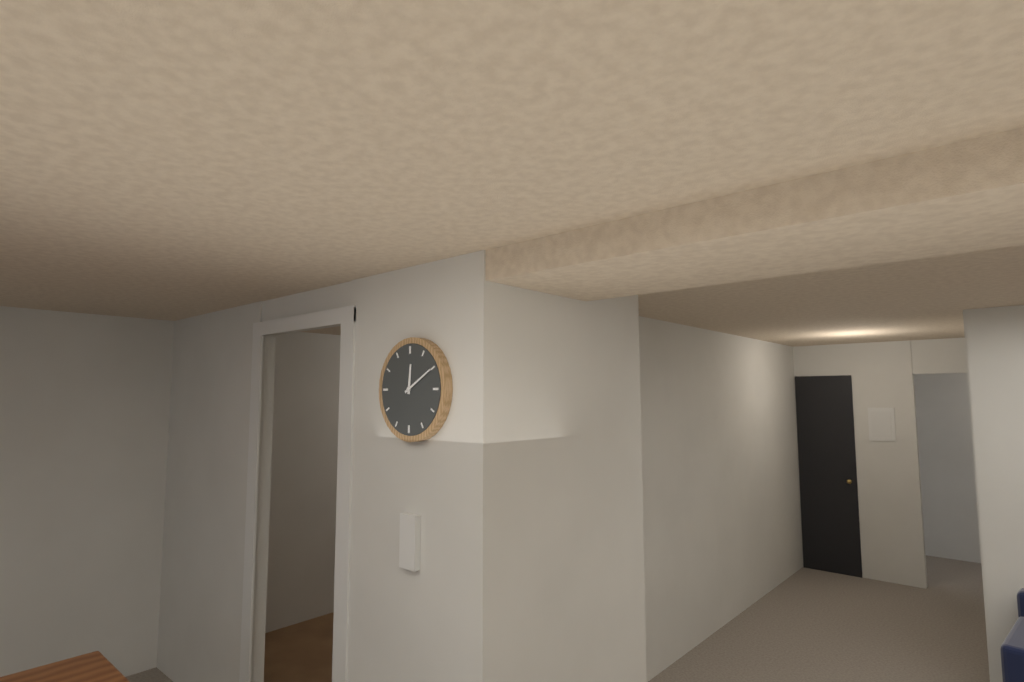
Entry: 12:10
